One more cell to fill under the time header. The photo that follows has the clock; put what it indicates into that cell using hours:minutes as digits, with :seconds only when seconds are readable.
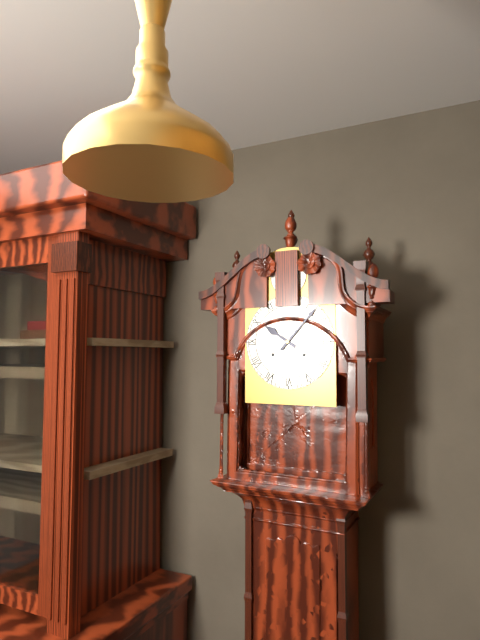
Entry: 10:07
